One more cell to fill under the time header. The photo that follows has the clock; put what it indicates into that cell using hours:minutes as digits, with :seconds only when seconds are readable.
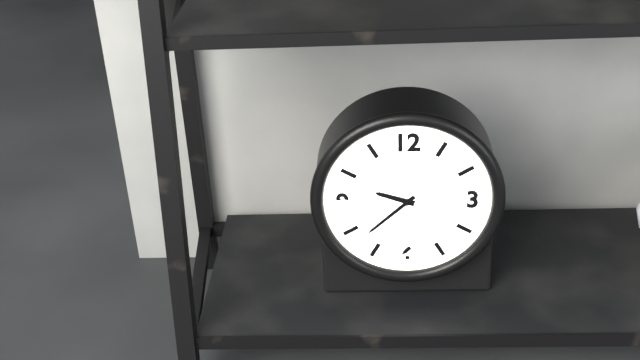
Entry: 9:38
